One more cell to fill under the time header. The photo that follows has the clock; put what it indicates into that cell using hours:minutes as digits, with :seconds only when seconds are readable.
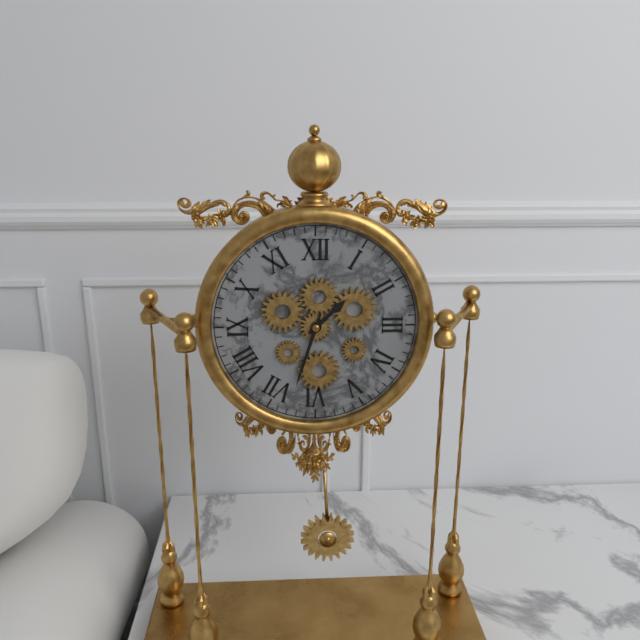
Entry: 1:33
